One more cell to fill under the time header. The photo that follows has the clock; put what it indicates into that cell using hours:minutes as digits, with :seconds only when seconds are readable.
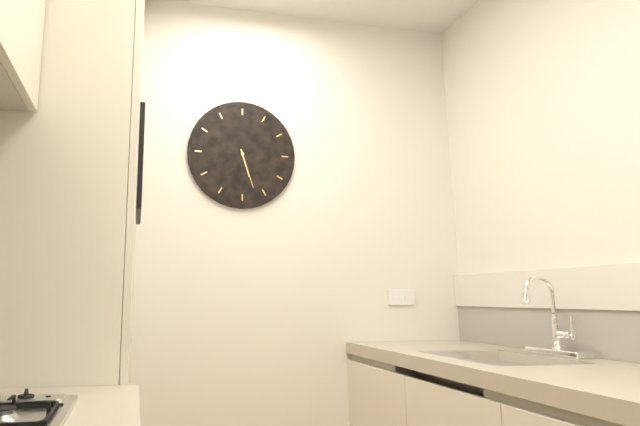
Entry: 5:27
